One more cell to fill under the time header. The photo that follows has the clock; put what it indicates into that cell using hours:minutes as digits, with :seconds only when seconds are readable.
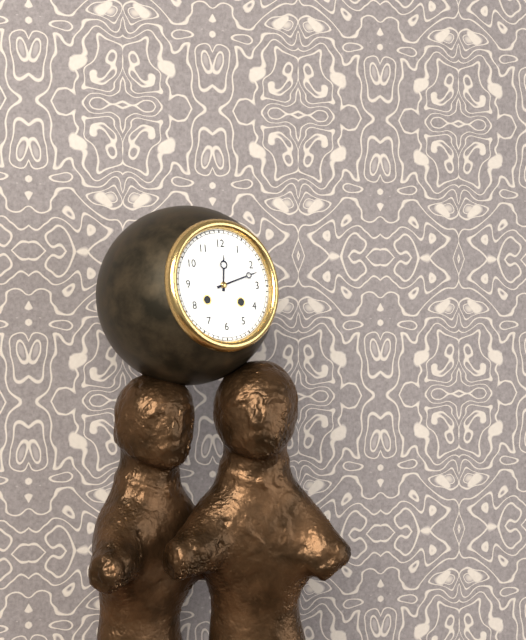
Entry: 12:12
